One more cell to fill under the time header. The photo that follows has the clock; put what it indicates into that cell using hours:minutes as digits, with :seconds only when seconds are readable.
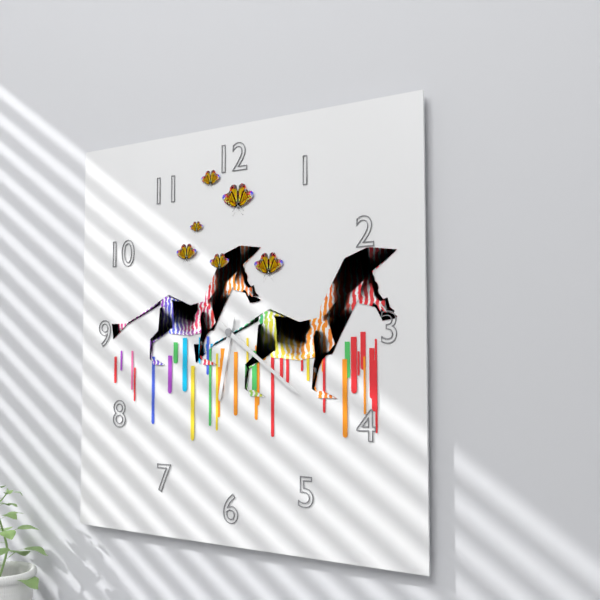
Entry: 6:21
